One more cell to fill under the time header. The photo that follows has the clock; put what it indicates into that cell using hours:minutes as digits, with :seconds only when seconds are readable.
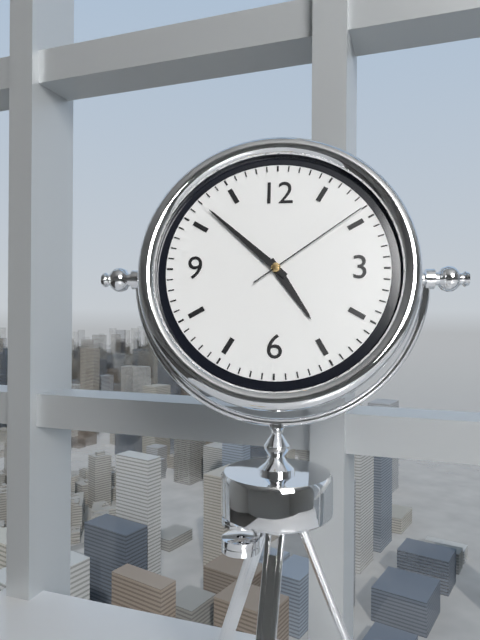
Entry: 4:52:09
